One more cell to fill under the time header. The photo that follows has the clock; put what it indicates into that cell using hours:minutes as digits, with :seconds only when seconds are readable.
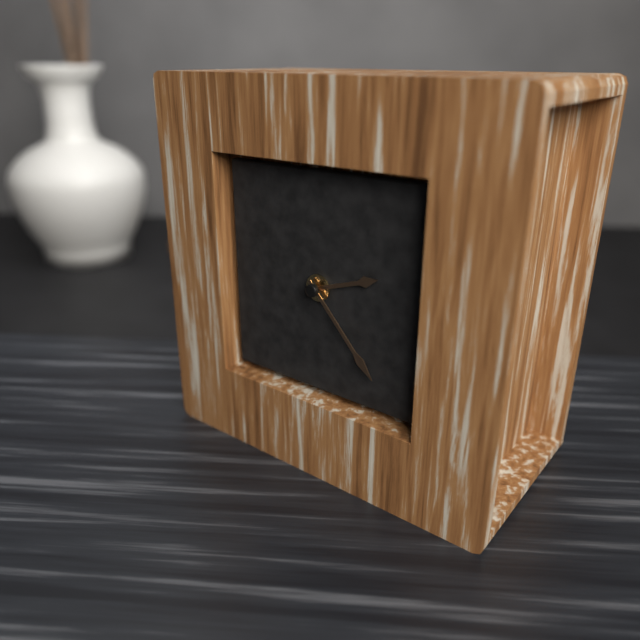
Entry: 2:23
